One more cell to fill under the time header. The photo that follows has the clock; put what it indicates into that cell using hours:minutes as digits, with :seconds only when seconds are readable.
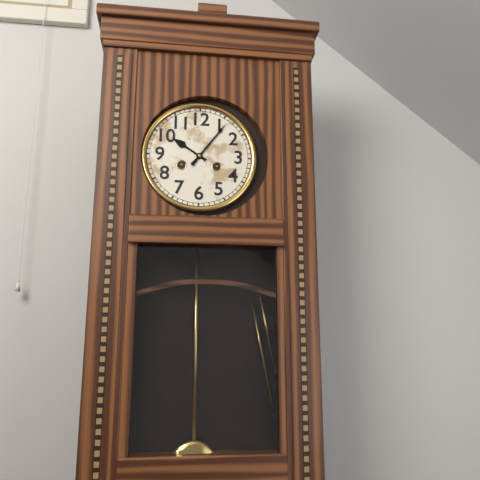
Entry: 10:06
